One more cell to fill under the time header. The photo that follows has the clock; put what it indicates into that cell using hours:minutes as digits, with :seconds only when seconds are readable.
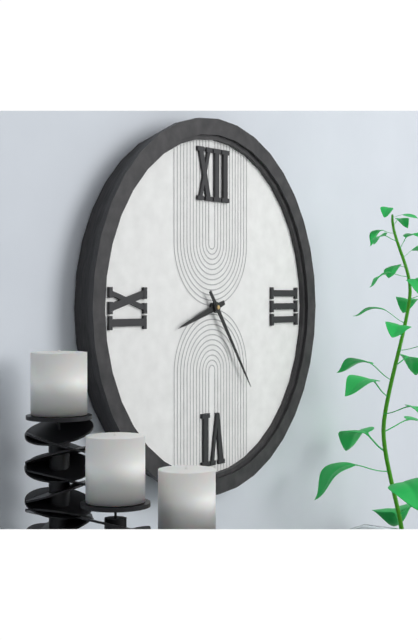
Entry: 8:24
